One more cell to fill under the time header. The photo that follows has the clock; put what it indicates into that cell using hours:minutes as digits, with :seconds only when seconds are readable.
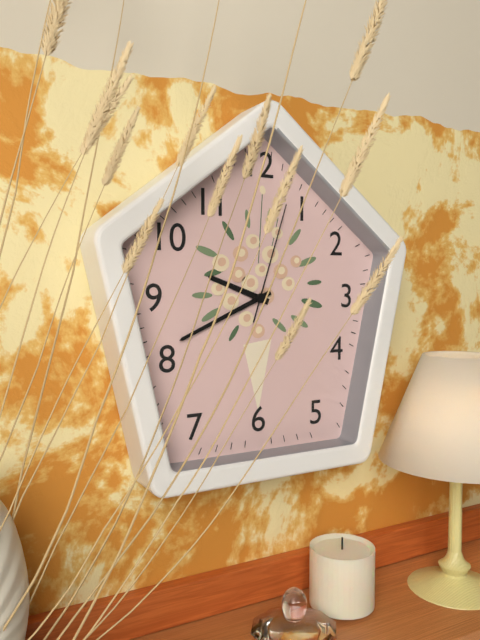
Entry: 9:41:03
